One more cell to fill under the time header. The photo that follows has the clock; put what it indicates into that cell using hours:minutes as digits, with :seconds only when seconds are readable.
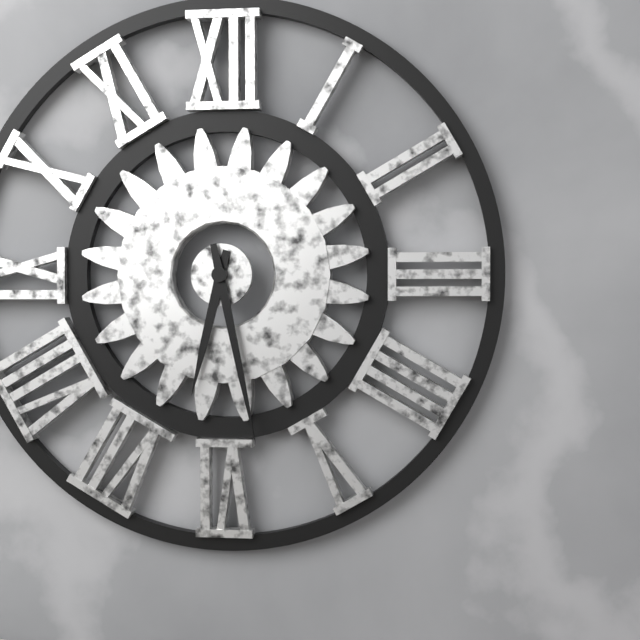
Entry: 6:28
